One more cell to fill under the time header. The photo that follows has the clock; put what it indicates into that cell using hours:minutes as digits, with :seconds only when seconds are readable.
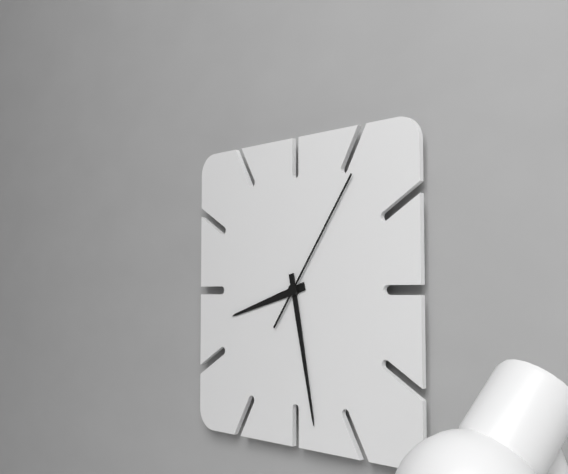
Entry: 8:28:06
